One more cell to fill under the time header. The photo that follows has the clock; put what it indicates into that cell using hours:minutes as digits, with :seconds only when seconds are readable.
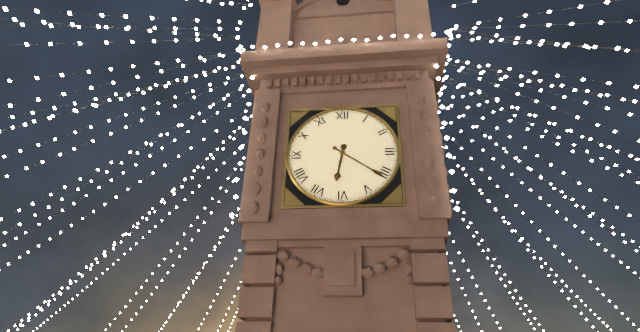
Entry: 6:21
